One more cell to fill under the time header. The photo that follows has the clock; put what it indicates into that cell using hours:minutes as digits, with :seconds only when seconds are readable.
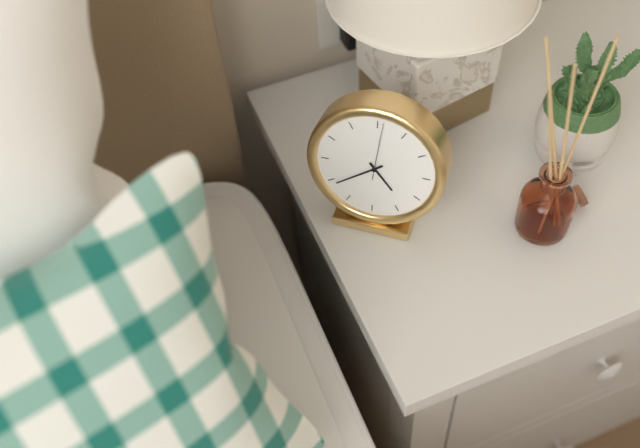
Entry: 4:39:01
